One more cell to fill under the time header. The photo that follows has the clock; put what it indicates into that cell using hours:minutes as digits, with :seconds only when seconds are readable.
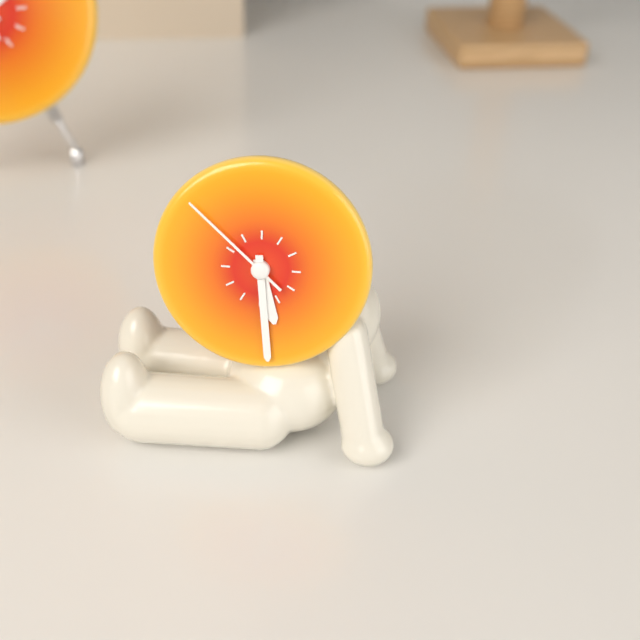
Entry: 5:29:52
